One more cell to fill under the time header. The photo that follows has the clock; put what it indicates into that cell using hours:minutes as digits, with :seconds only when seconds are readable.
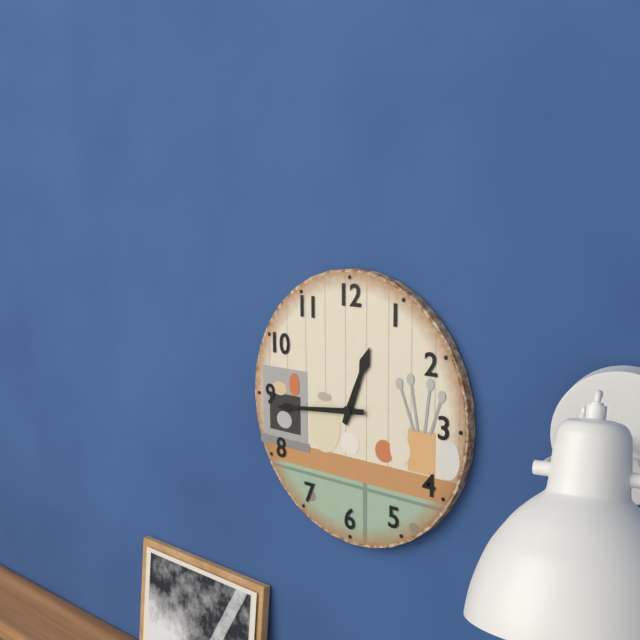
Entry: 12:44
